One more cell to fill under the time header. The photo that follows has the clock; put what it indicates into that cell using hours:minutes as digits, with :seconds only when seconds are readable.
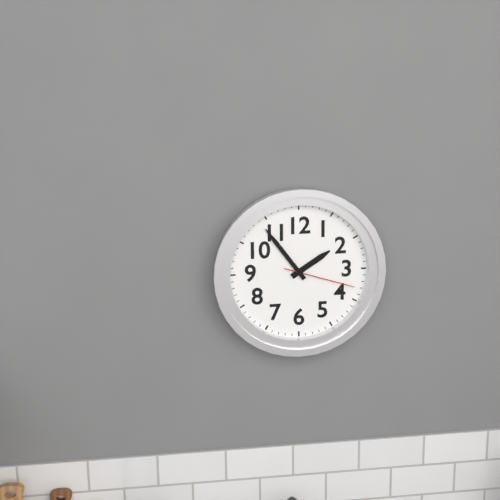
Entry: 1:54:18
